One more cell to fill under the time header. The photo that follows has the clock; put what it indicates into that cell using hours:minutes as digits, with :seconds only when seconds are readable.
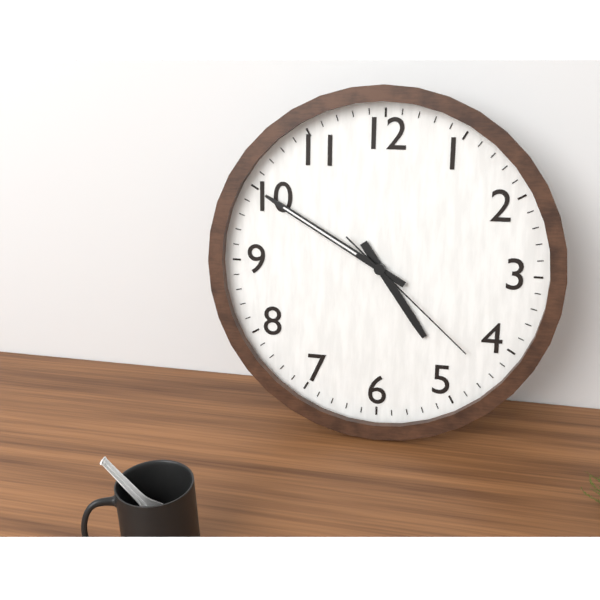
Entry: 4:50:22
